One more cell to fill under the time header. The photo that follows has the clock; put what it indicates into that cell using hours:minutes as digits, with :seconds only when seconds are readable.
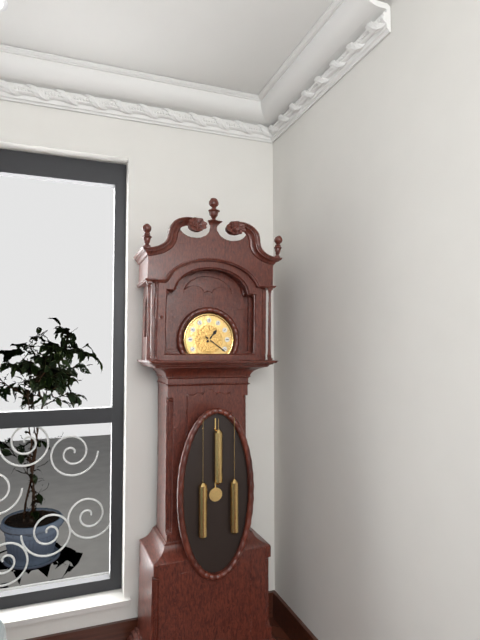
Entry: 1:21
